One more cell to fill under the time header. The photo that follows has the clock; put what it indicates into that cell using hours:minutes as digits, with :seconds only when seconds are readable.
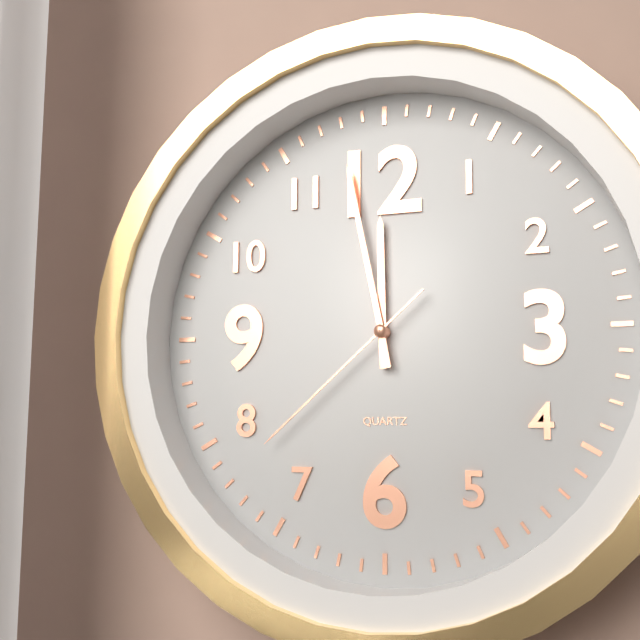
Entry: 11:58:38
